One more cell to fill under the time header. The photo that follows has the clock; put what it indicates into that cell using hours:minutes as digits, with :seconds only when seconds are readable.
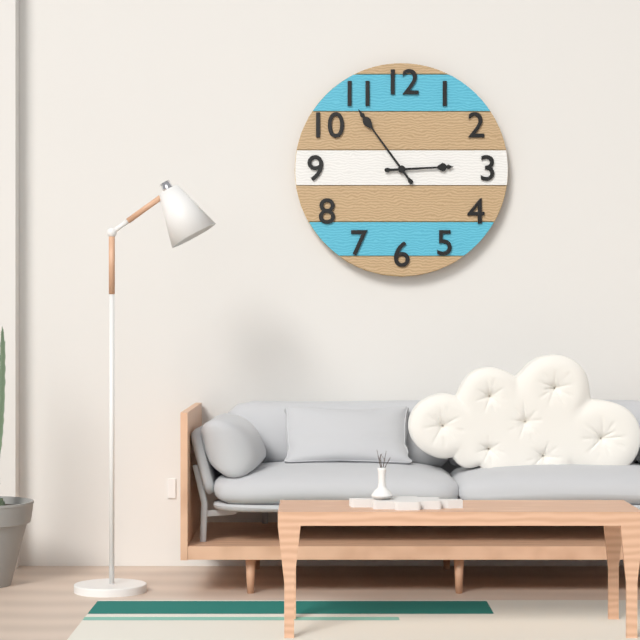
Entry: 2:54
